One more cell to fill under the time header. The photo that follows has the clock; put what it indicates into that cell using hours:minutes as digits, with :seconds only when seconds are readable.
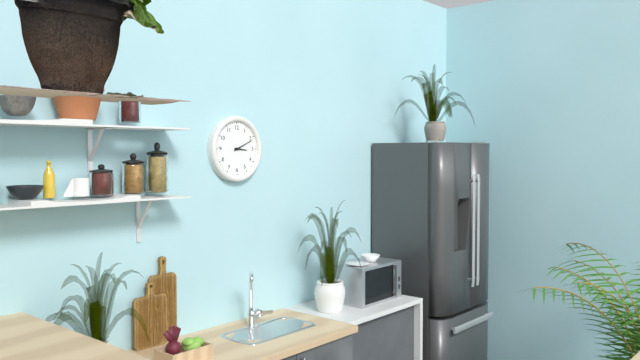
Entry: 3:11
